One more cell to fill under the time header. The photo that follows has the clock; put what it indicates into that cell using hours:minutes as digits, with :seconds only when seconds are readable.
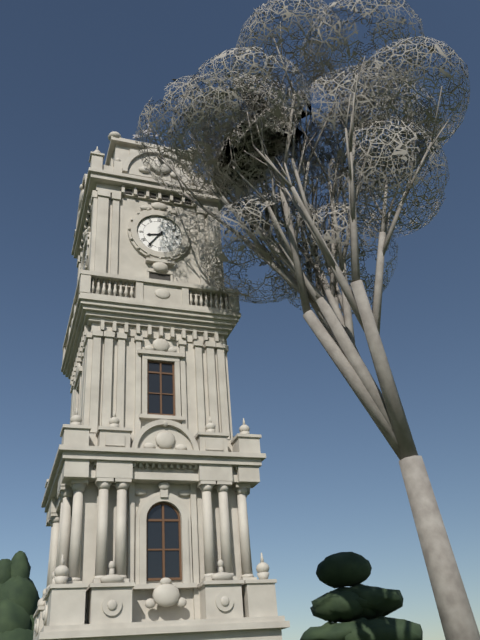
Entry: 8:36
